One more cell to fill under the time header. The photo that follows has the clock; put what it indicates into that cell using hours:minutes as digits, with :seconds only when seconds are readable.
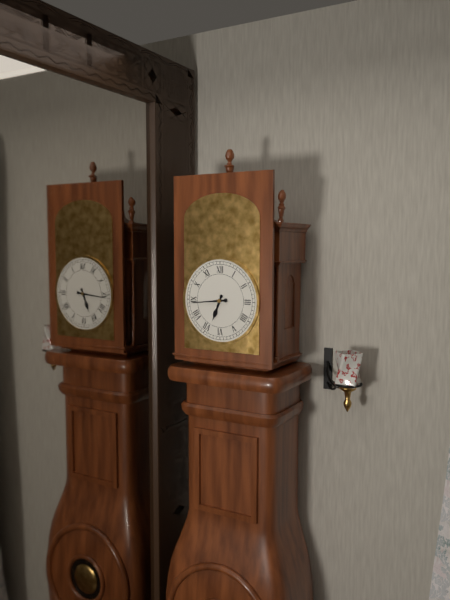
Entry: 6:44
